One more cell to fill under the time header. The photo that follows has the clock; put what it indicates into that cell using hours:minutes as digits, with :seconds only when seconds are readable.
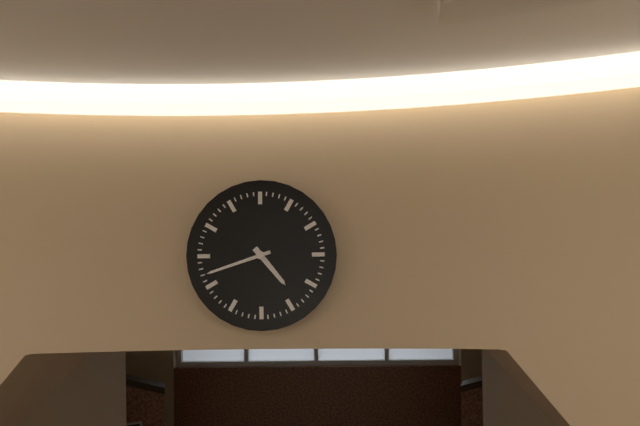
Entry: 4:42
